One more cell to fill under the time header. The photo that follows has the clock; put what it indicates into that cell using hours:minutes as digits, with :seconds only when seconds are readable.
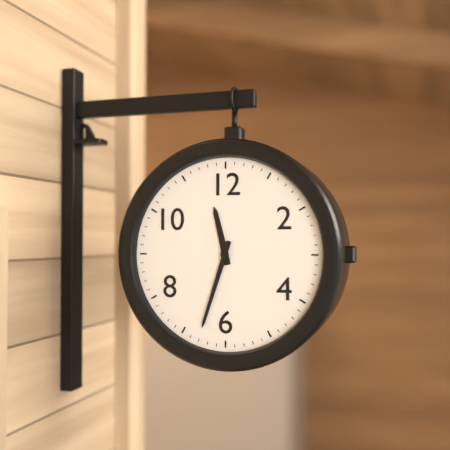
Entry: 11:33
